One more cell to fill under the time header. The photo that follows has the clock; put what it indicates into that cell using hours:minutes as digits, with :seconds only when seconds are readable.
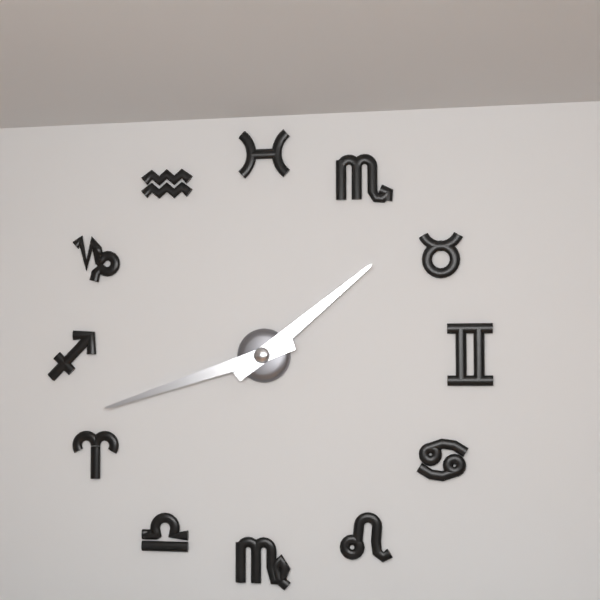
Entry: 1:42
